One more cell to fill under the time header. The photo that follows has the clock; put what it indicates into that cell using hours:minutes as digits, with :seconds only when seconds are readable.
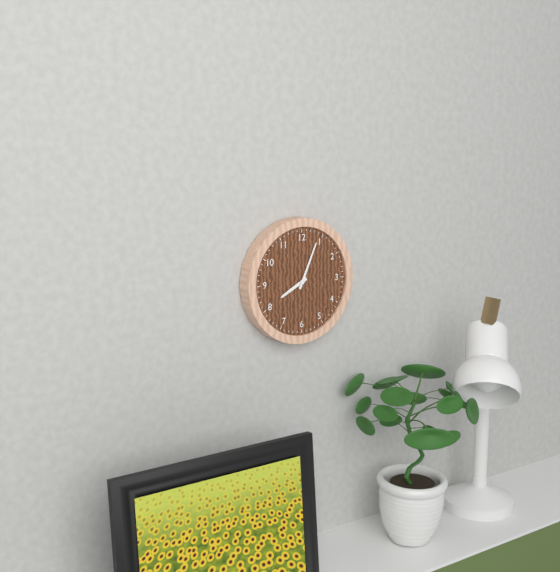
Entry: 8:04
